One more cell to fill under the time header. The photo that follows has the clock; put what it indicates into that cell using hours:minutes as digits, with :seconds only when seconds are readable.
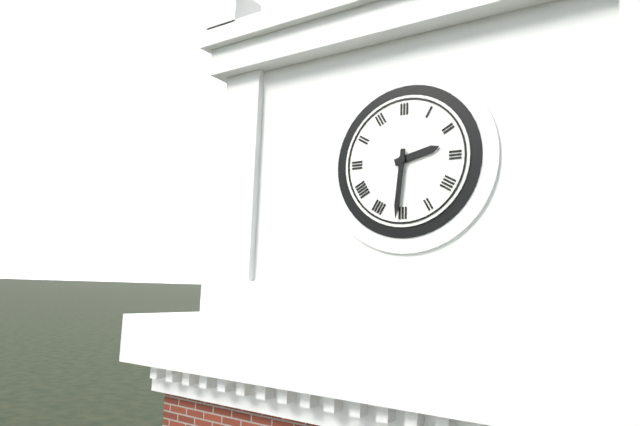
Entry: 2:31
